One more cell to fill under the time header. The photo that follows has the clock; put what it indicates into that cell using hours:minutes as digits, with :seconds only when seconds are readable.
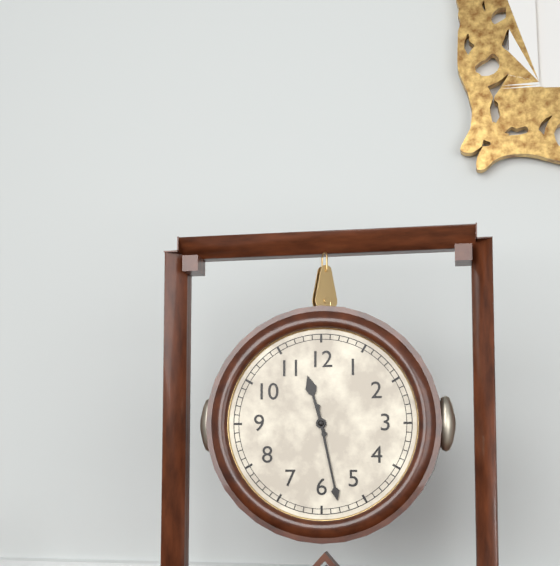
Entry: 11:28
